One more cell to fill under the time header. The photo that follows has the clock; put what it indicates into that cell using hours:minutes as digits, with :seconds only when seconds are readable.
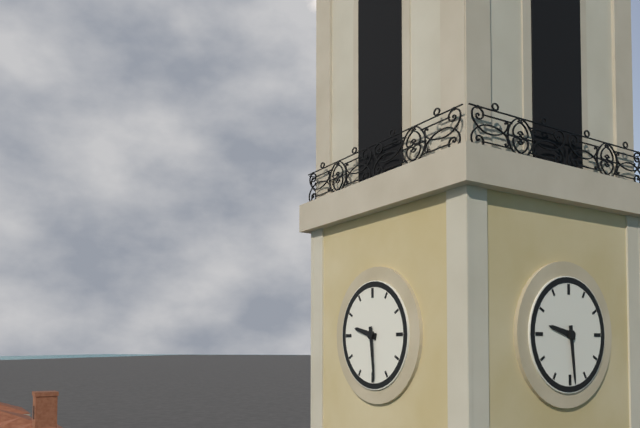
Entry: 9:29
